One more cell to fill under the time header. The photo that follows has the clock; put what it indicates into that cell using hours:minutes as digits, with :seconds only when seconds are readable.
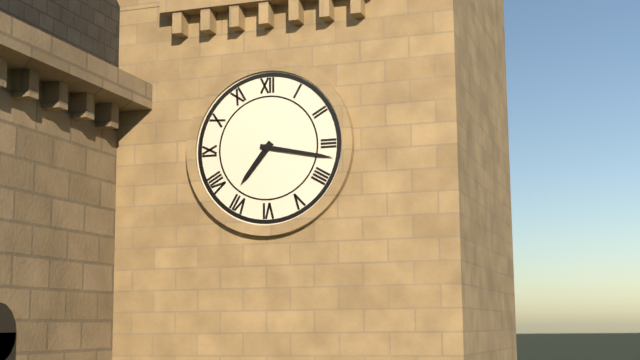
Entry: 7:17
